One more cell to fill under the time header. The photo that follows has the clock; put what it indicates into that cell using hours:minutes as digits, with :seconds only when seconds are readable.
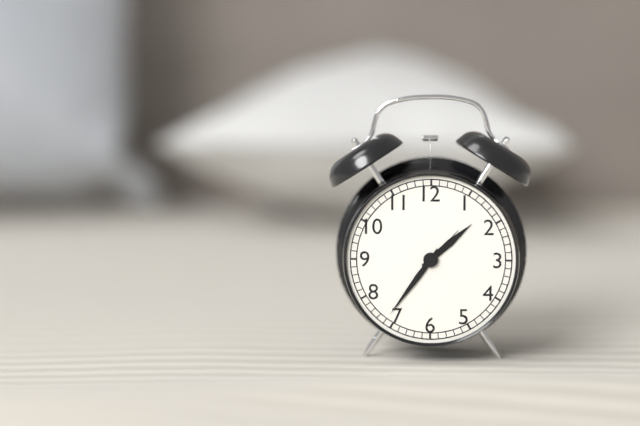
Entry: 1:36
